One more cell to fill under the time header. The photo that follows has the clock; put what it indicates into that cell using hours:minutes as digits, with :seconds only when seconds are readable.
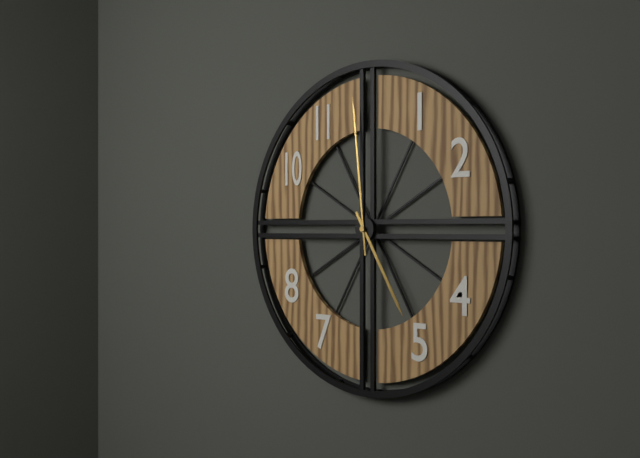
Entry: 4:59
